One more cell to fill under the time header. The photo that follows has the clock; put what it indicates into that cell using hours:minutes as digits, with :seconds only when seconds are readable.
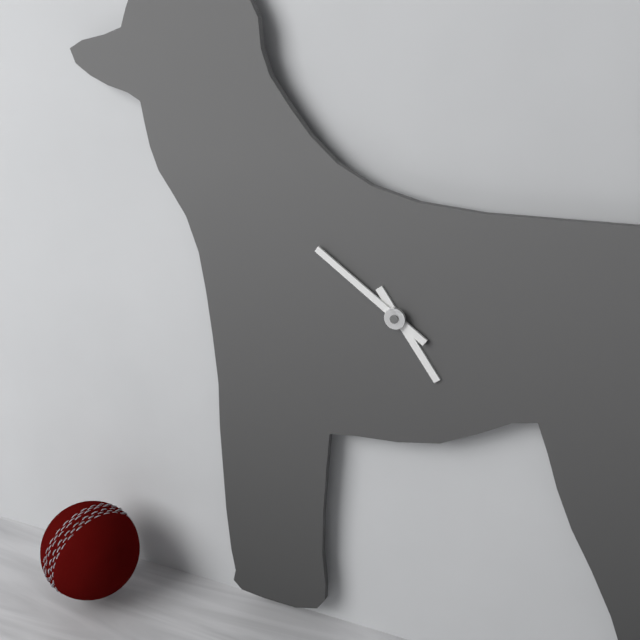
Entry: 4:51
